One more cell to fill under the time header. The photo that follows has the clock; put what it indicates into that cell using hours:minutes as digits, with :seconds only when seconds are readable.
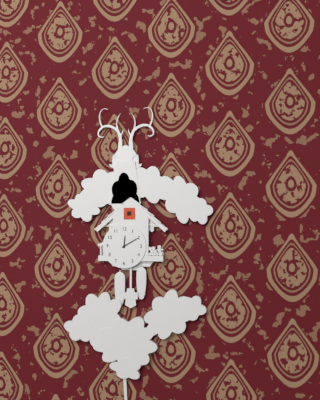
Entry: 12:10
